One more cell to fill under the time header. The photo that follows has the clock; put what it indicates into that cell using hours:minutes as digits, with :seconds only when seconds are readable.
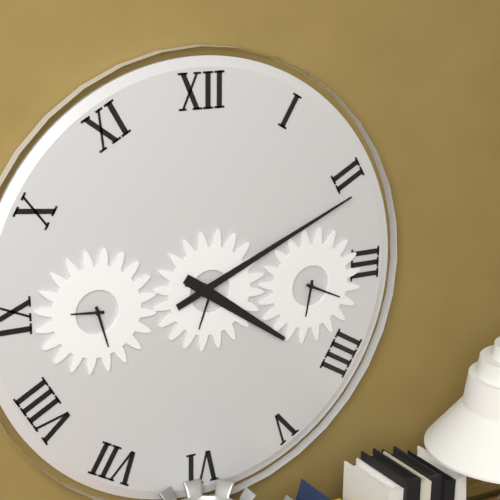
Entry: 4:11
